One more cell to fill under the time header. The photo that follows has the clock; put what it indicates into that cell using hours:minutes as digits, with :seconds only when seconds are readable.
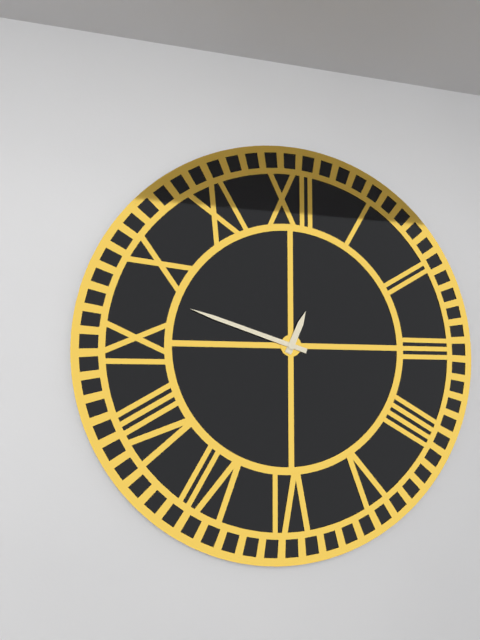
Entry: 12:48
